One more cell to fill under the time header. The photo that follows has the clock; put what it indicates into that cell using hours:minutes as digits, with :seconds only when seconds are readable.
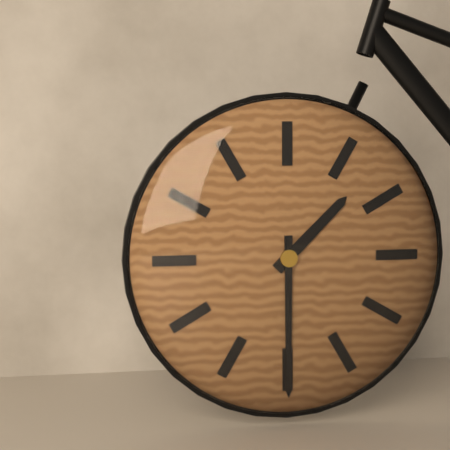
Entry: 1:30
